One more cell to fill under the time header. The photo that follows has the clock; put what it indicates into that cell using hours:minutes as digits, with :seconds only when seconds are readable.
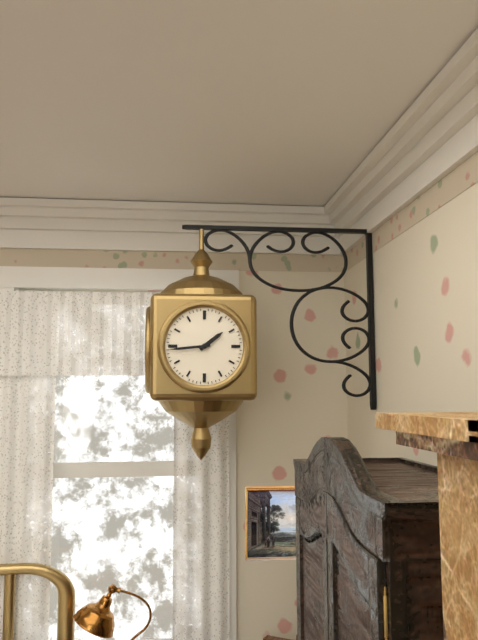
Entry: 1:44
